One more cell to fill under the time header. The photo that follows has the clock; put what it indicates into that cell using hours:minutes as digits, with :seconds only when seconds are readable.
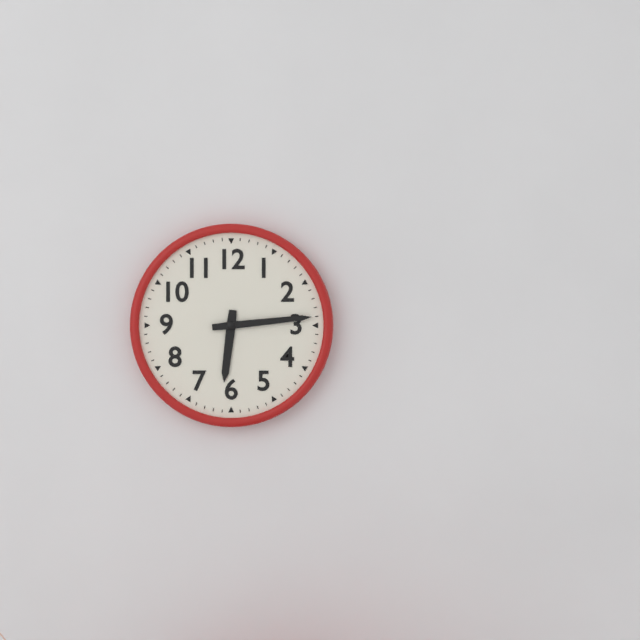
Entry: 6:14
